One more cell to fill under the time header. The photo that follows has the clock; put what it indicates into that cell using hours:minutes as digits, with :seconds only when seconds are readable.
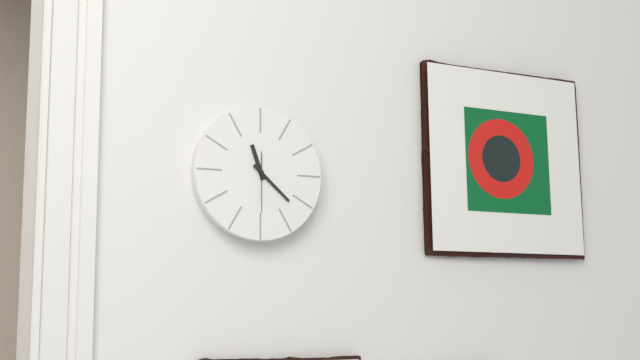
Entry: 11:22
